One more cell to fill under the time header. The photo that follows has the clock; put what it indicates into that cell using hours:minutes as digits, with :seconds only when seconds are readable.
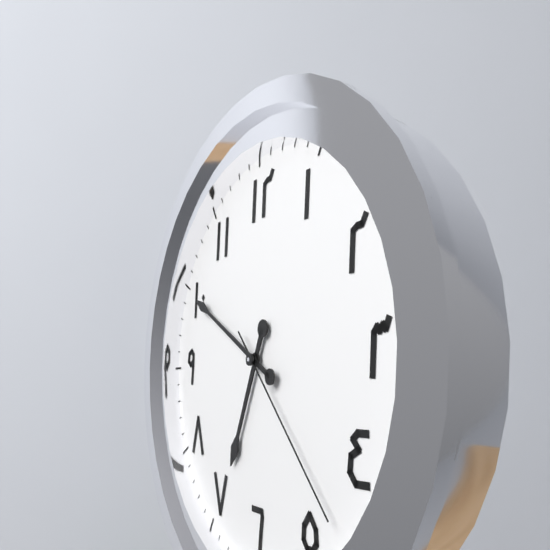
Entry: 6:50:23
